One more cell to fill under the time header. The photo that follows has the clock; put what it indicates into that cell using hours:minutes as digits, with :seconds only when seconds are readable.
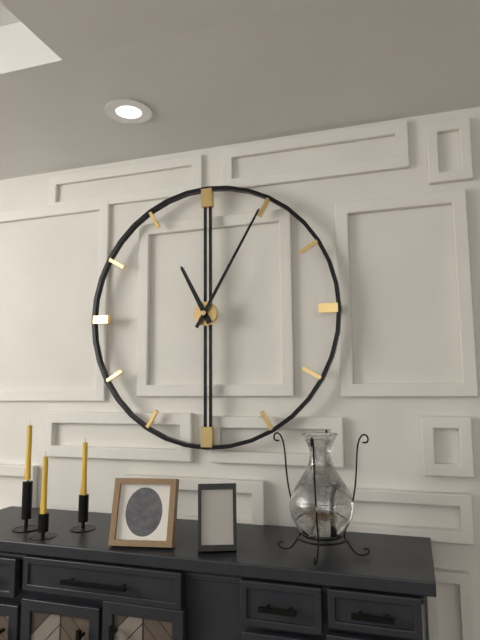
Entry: 11:05
